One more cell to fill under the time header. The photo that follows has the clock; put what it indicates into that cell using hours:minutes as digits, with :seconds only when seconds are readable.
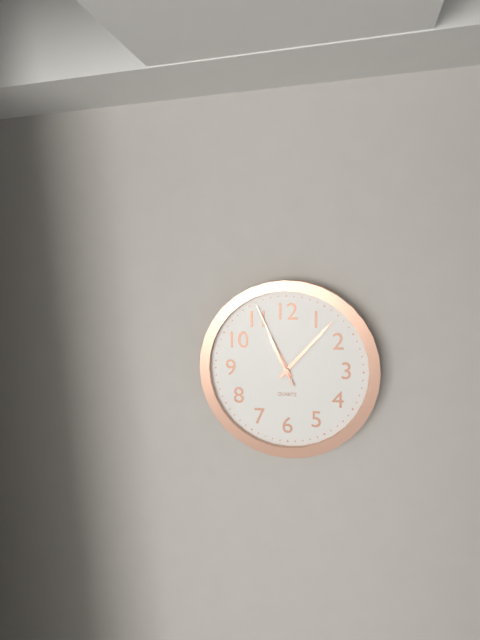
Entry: 11:07:56
